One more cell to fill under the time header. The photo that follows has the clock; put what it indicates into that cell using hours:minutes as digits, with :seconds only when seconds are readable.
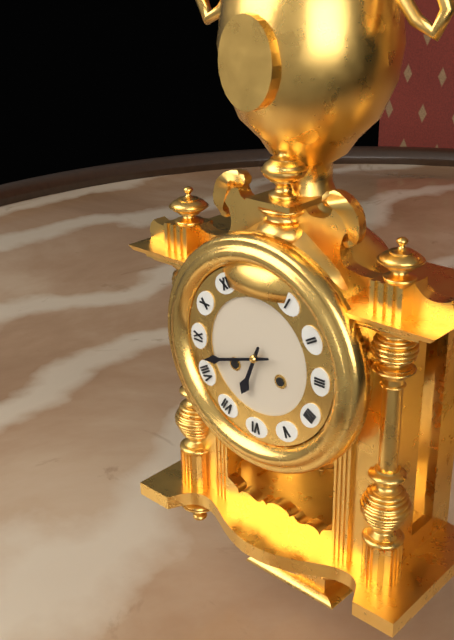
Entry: 6:42
